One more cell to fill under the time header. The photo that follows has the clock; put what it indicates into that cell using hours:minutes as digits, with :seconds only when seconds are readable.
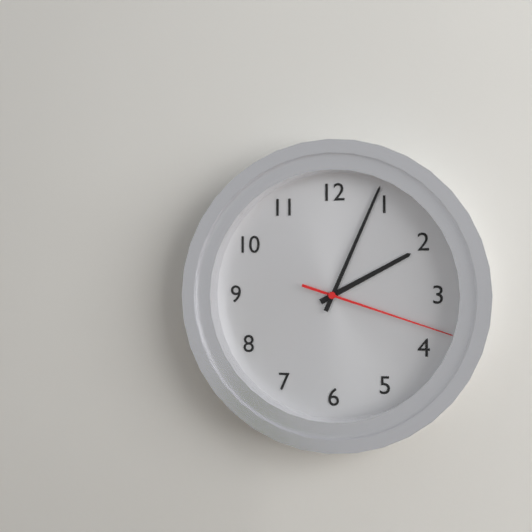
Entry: 2:04:18
